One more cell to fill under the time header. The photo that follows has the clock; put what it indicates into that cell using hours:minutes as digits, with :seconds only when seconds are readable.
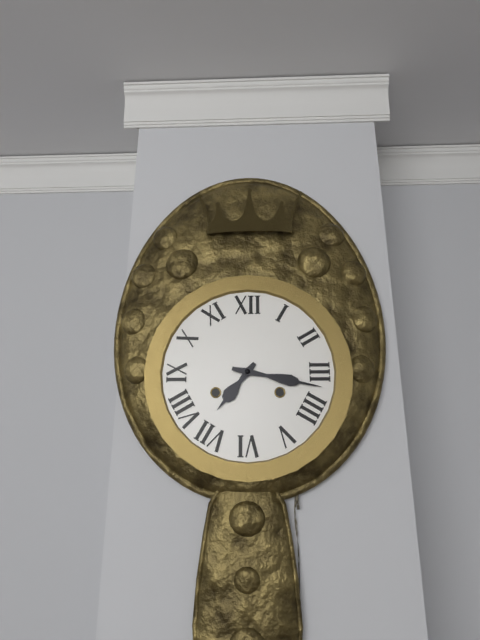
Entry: 7:17
